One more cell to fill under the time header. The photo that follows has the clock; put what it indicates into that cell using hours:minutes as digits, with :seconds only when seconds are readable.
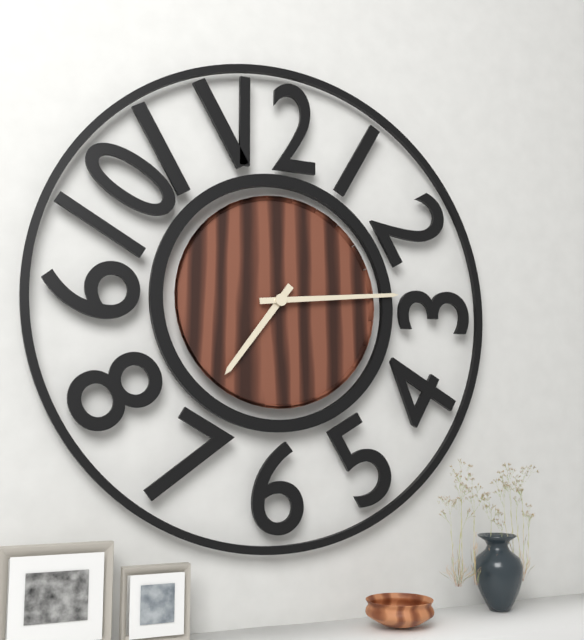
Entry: 7:14
